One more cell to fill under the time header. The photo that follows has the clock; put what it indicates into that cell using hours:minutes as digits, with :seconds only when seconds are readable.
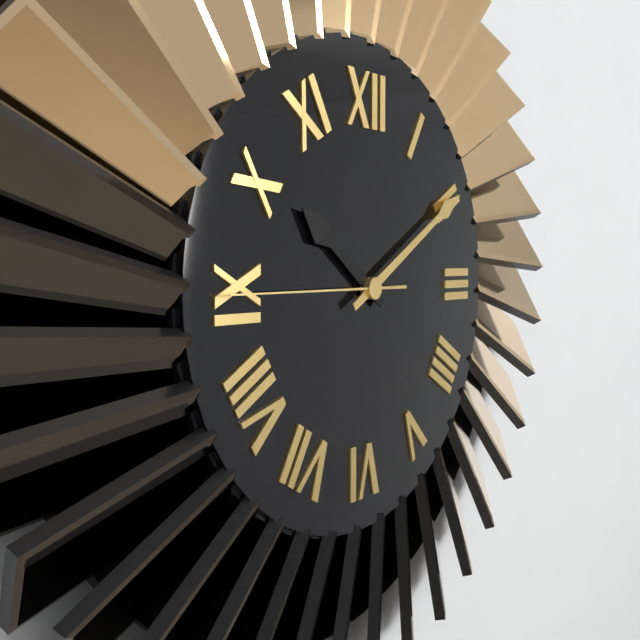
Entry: 10:10:45
